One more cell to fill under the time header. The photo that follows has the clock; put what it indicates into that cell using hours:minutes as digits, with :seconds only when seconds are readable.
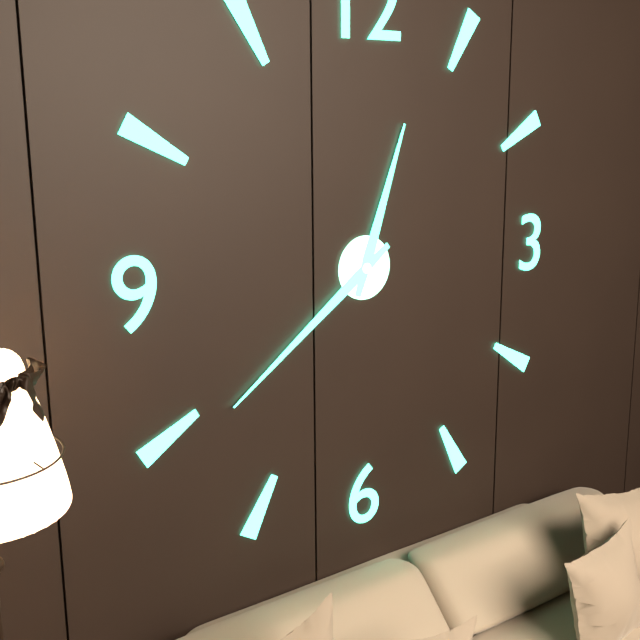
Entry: 12:39
